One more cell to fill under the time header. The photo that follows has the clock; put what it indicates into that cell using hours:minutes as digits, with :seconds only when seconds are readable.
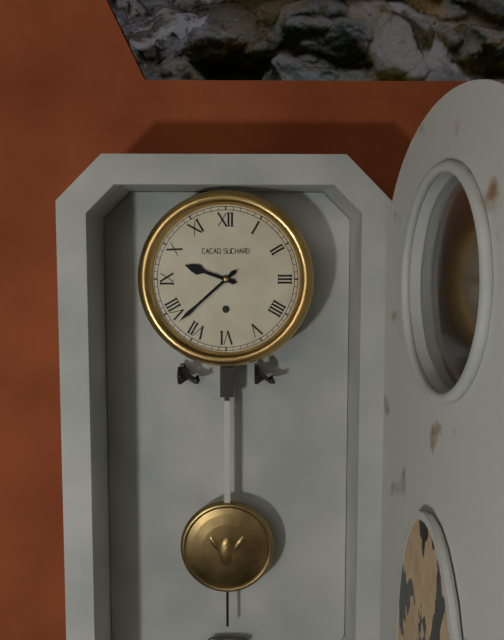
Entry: 9:38
